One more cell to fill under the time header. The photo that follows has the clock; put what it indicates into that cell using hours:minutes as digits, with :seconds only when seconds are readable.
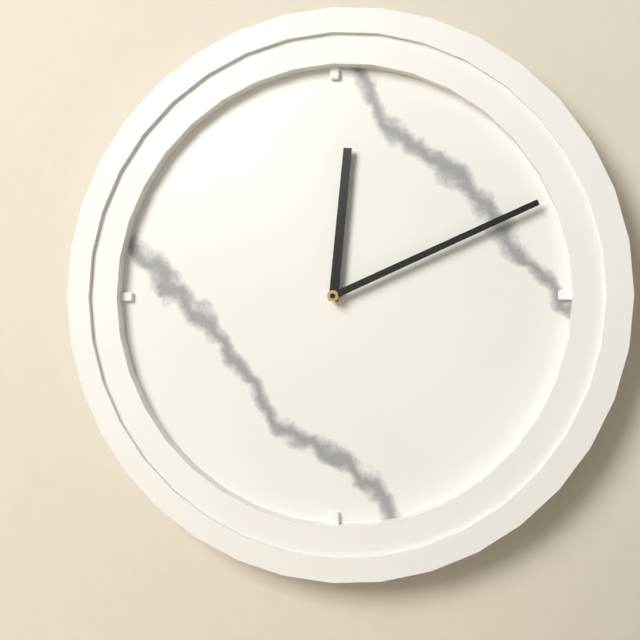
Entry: 12:11
